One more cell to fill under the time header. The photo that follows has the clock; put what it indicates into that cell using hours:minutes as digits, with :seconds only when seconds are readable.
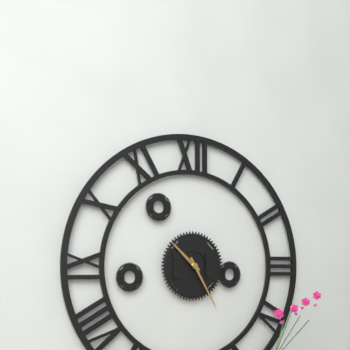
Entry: 10:25
